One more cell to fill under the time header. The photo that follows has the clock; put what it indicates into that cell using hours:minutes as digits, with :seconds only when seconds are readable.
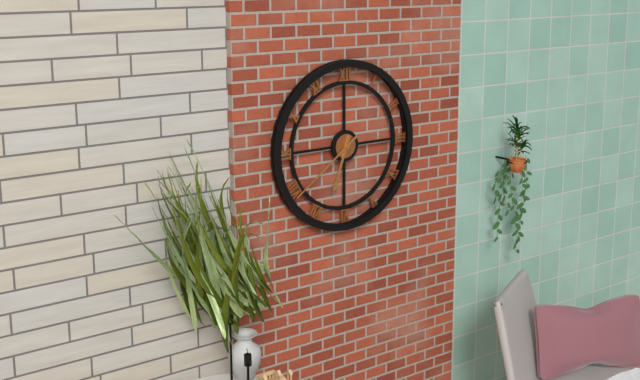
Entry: 6:39
